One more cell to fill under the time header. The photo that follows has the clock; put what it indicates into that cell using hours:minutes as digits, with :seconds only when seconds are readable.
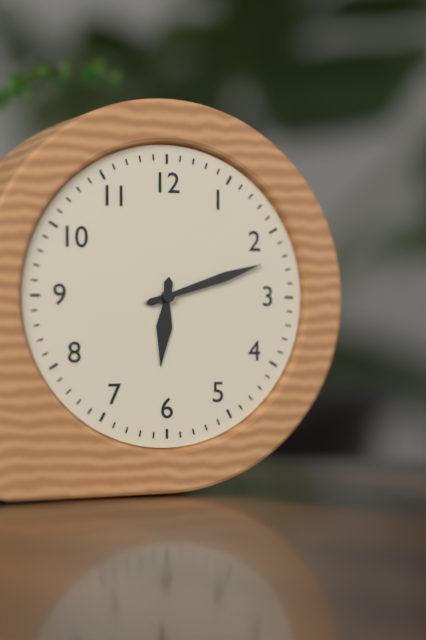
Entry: 6:12
